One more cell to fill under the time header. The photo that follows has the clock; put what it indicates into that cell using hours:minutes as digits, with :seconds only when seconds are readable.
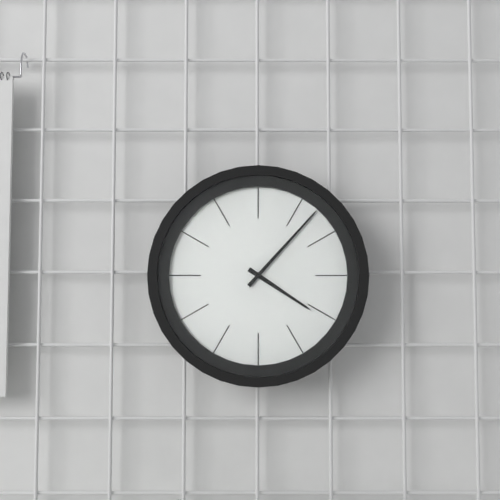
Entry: 4:07
